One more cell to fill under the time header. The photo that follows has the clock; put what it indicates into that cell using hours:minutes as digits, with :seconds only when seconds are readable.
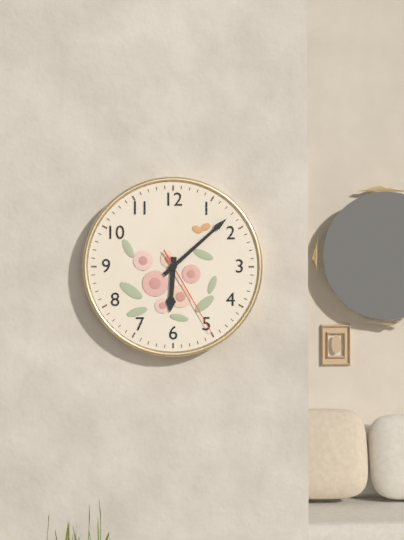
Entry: 6:08:25
